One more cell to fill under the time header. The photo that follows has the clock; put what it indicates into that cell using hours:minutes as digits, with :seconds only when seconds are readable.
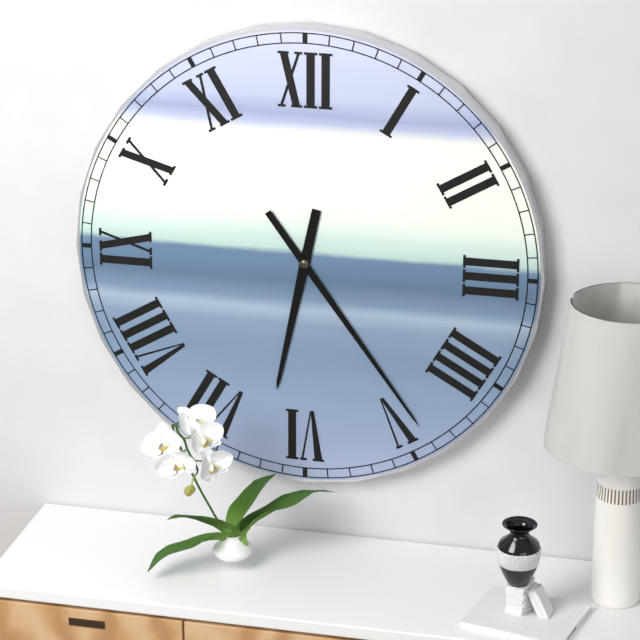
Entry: 6:24
